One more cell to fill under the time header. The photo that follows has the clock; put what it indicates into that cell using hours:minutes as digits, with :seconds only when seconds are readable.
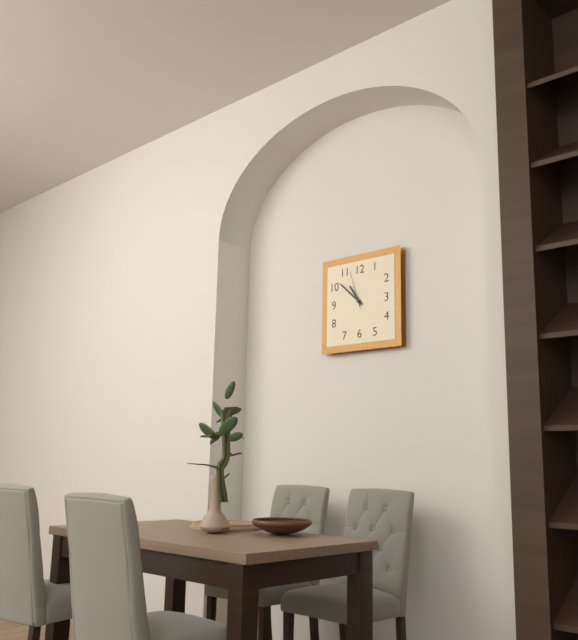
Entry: 10:52
